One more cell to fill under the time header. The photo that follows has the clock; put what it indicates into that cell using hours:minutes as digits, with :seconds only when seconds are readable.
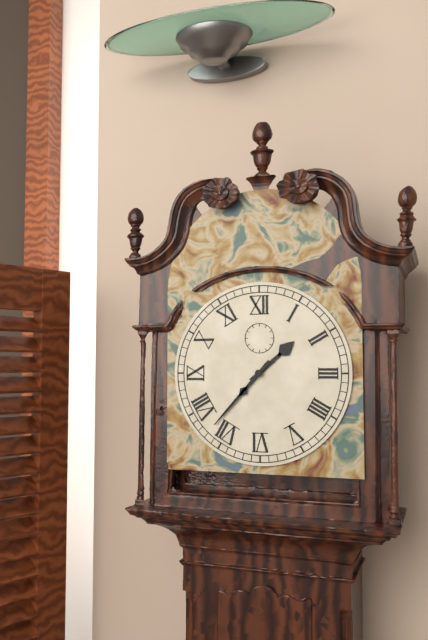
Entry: 1:37
